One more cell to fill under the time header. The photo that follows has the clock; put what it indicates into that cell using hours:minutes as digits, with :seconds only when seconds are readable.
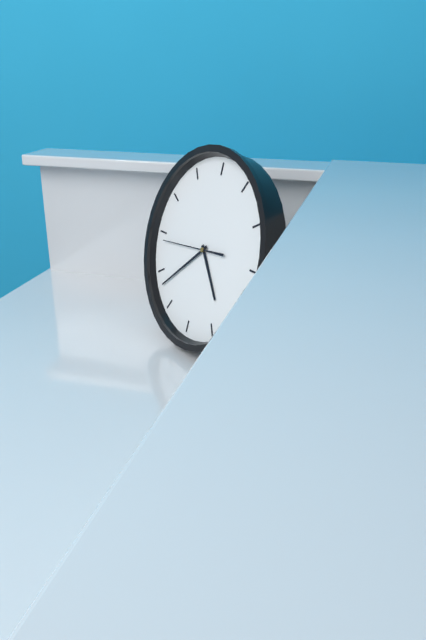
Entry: 4:38:44
